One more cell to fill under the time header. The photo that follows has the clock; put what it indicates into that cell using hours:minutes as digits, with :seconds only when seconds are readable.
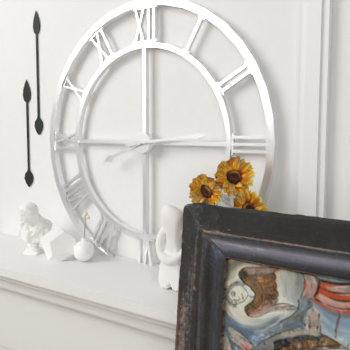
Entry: 8:14
